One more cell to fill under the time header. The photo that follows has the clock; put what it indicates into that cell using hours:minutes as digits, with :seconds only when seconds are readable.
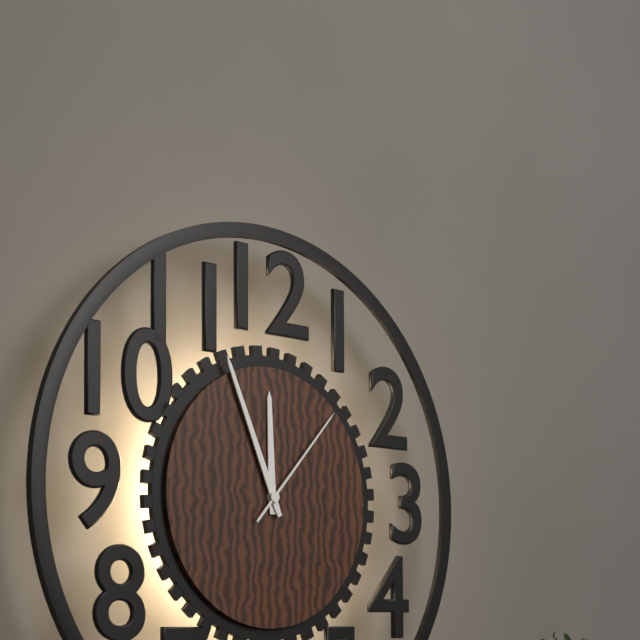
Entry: 11:56:07
